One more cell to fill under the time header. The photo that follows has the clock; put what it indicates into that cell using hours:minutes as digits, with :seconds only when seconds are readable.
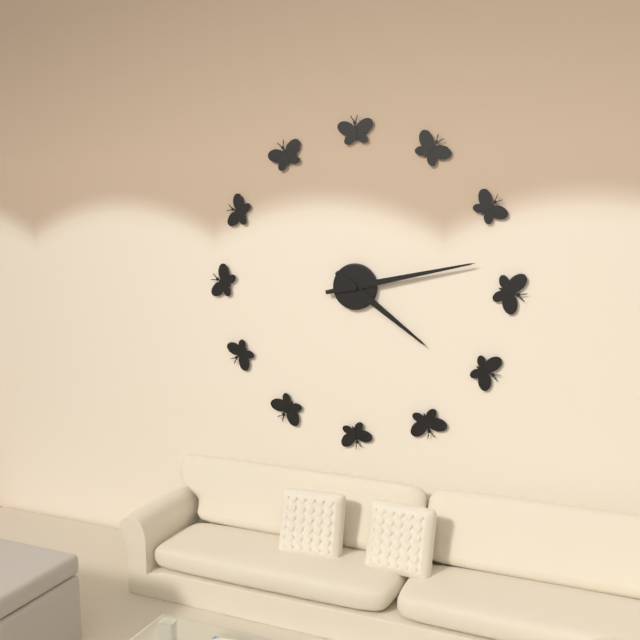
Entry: 4:13
